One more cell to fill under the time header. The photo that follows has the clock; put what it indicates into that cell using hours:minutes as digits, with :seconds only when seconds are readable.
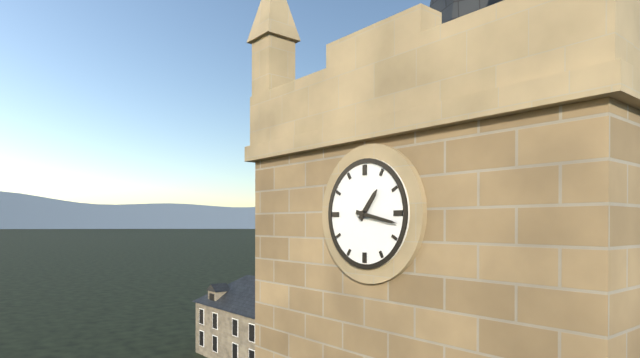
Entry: 1:17
